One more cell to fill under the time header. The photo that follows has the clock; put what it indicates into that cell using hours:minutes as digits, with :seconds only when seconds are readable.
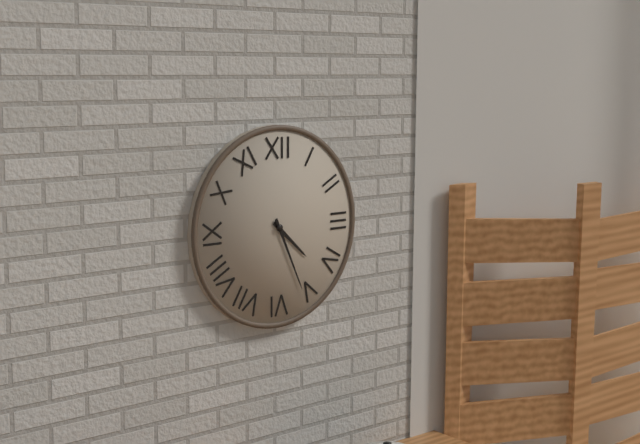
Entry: 4:26
